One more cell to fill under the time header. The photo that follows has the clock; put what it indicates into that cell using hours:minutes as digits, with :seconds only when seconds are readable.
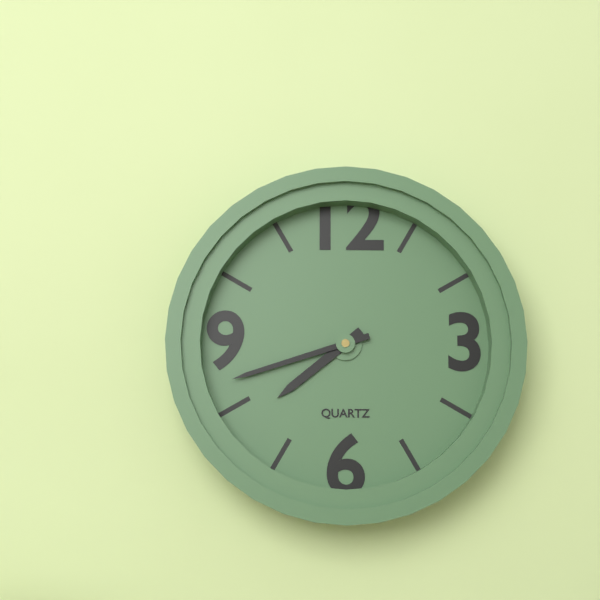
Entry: 7:42
